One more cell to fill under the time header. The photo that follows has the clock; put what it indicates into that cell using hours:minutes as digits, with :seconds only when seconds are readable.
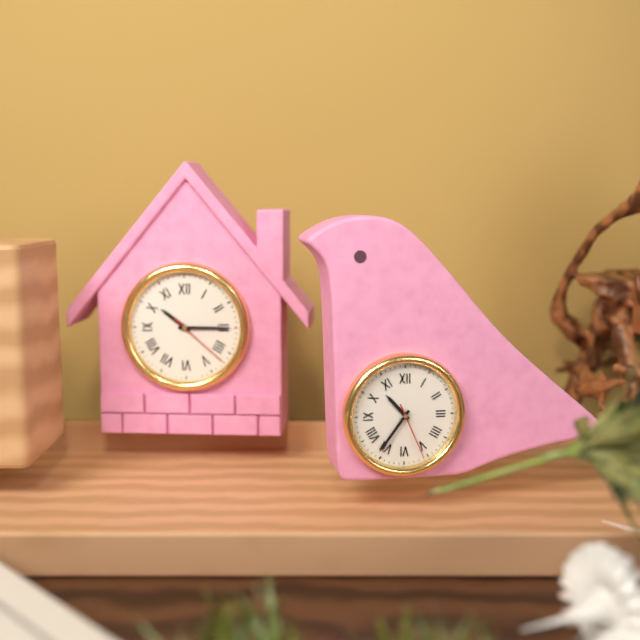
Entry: 10:36:26
